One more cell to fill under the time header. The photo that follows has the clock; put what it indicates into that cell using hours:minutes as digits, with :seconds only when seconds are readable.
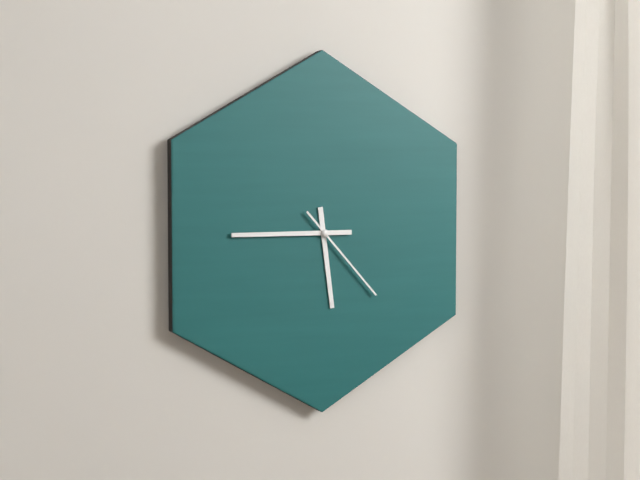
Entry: 5:45:23
